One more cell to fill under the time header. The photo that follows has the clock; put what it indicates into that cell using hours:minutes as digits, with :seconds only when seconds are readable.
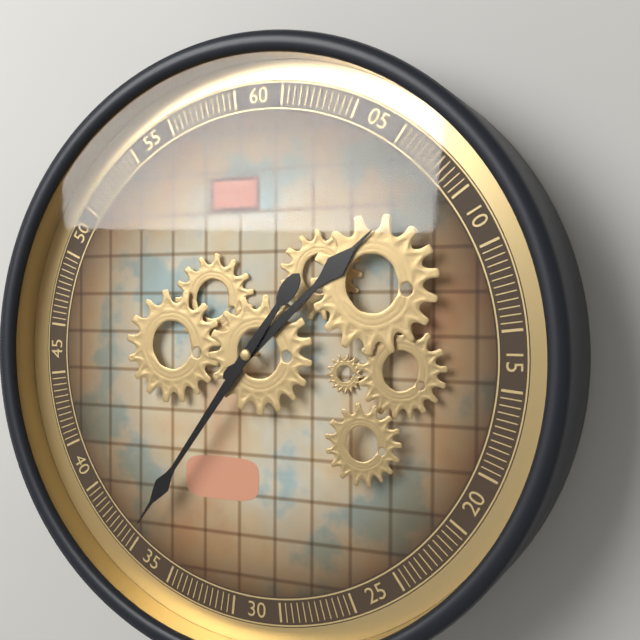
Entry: 1:36
